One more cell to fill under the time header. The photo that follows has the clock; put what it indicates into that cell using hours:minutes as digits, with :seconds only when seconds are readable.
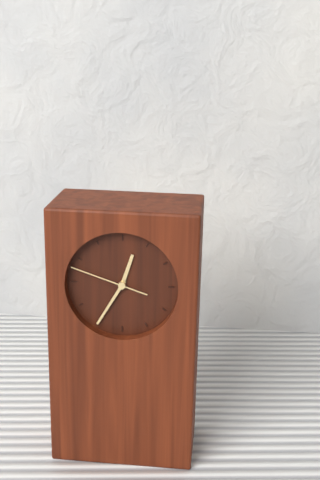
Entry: 12:35:48
